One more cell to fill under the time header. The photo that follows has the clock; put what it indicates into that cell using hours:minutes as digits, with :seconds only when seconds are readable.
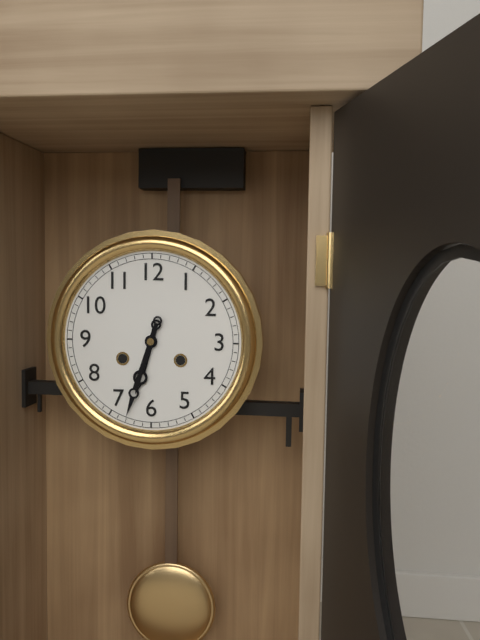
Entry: 6:33
